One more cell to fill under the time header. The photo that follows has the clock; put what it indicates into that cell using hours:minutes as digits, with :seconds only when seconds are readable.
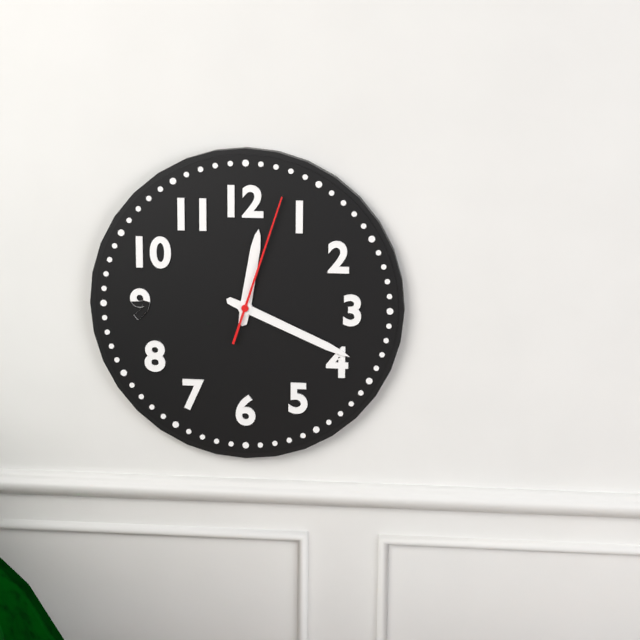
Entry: 12:19:03
